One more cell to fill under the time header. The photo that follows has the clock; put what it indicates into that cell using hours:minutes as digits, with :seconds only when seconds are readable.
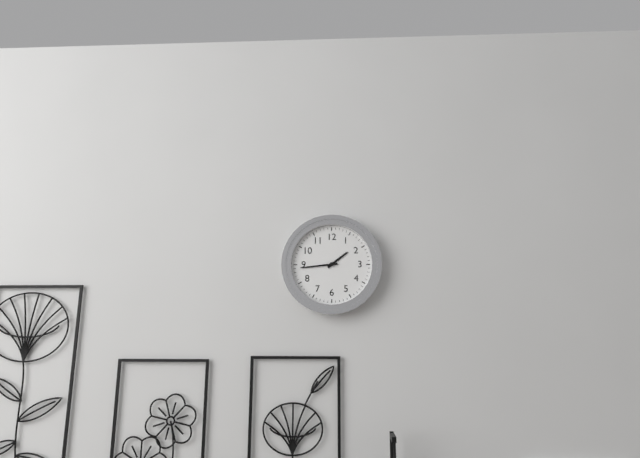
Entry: 1:44
